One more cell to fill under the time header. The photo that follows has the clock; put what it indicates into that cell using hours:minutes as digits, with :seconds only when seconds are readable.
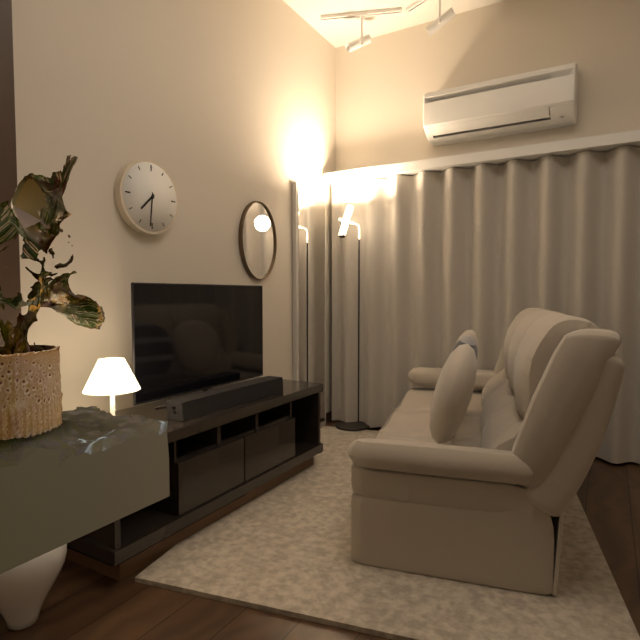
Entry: 7:31
